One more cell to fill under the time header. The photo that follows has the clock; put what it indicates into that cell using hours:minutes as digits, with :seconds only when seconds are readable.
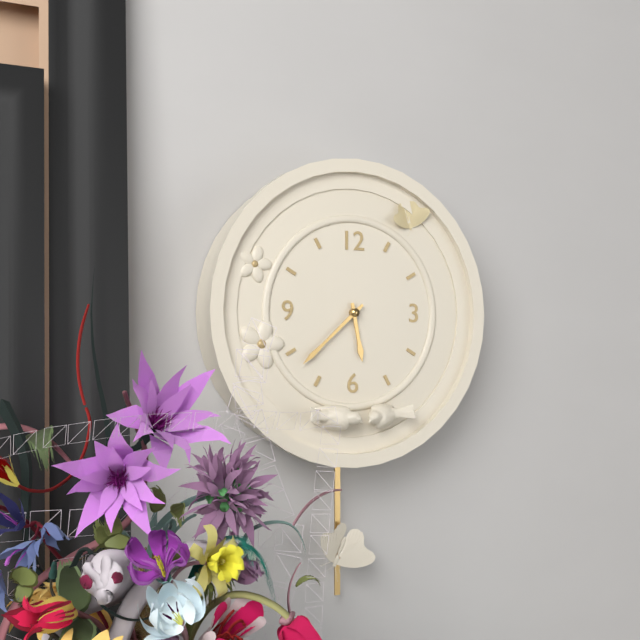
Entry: 5:38
